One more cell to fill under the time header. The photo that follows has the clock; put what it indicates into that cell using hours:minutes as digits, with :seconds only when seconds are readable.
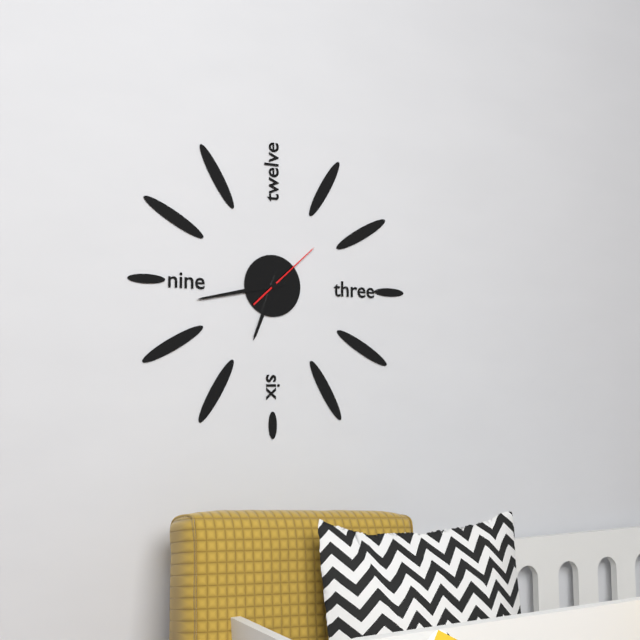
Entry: 6:43:08
